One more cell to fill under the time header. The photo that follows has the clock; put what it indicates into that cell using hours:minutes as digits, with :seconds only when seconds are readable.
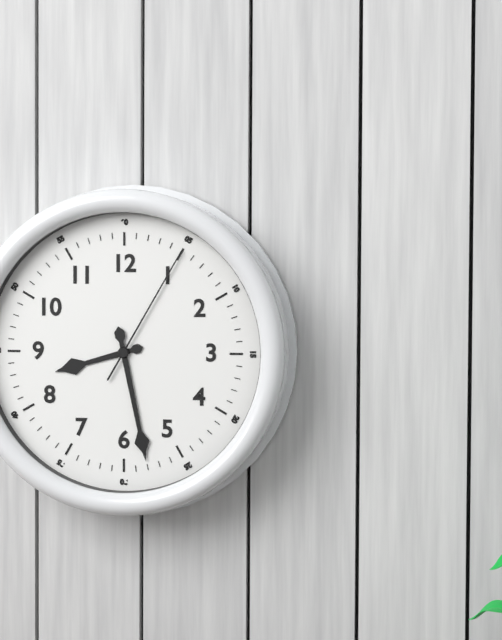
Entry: 8:28:05
